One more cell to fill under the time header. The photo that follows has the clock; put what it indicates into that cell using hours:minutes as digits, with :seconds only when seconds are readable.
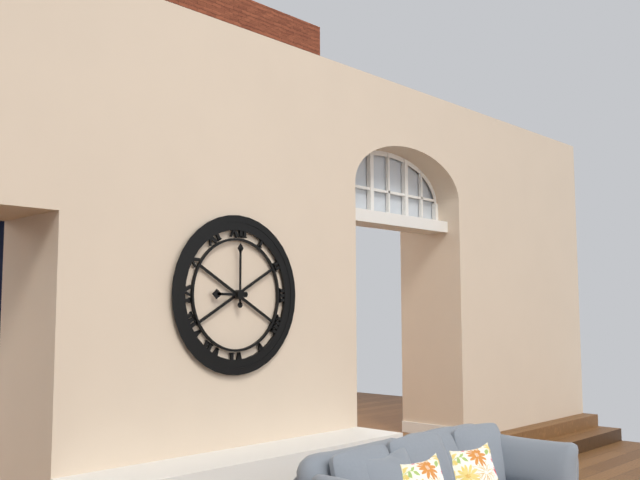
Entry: 9:00
